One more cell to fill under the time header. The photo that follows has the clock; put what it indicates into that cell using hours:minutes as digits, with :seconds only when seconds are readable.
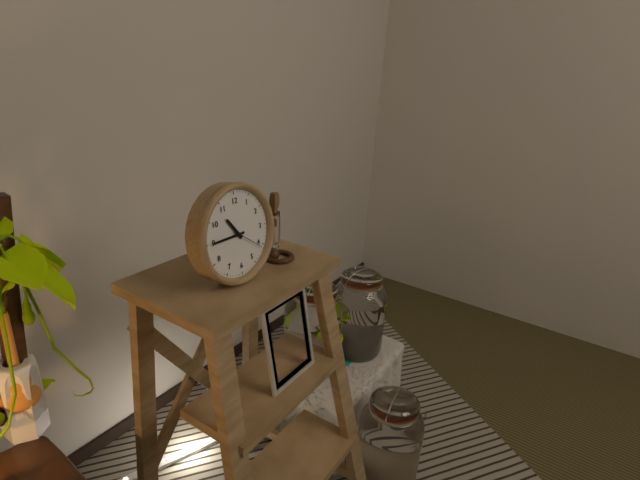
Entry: 10:45
